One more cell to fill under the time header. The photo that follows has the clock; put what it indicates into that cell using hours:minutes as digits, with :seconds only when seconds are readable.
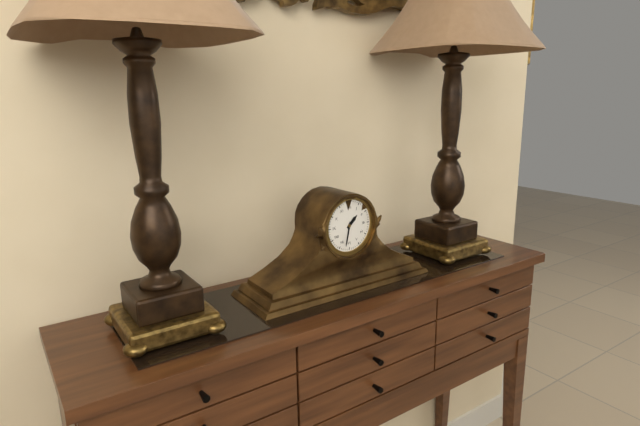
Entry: 1:32
